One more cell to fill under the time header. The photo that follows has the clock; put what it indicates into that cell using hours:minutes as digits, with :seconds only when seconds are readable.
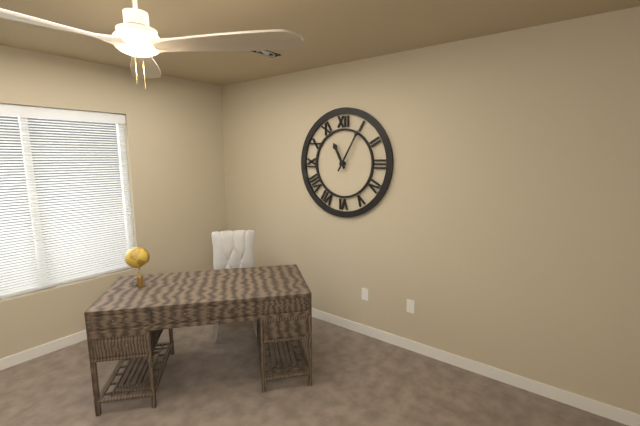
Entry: 11:05
